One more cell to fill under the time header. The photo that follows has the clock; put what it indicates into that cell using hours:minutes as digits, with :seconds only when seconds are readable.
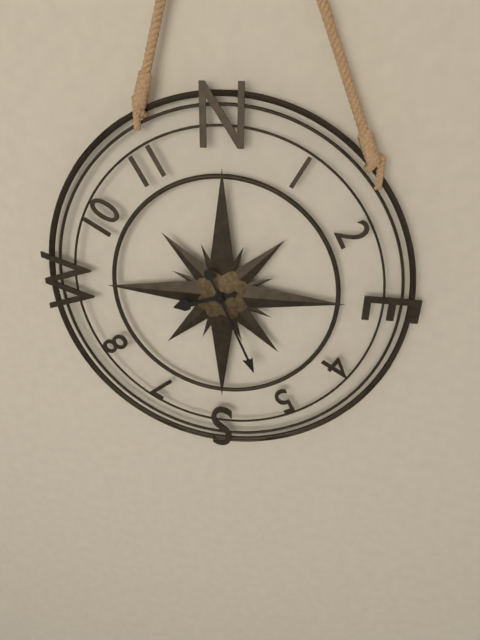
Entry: 8:26
